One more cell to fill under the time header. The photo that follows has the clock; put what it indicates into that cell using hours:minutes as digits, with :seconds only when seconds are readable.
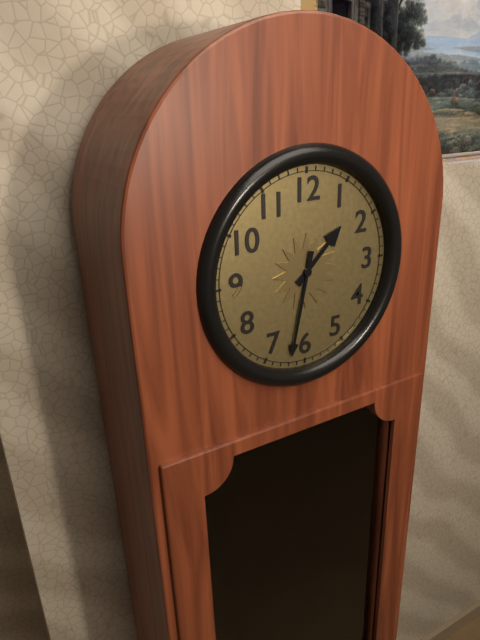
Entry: 1:32
